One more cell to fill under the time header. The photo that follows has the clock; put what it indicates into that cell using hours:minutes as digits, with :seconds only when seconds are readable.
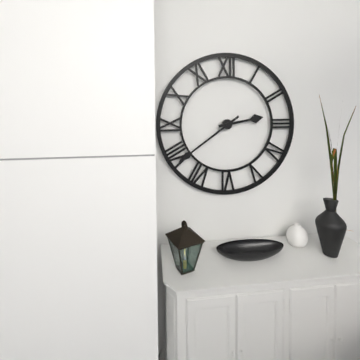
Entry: 2:39
